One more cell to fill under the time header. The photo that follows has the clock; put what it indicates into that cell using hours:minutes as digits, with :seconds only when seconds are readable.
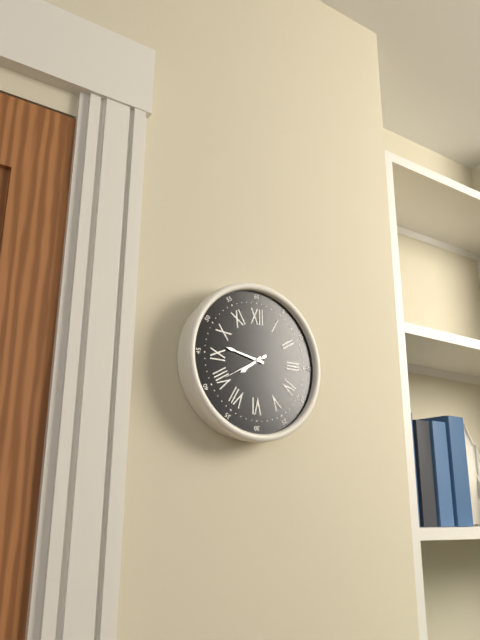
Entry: 7:47
